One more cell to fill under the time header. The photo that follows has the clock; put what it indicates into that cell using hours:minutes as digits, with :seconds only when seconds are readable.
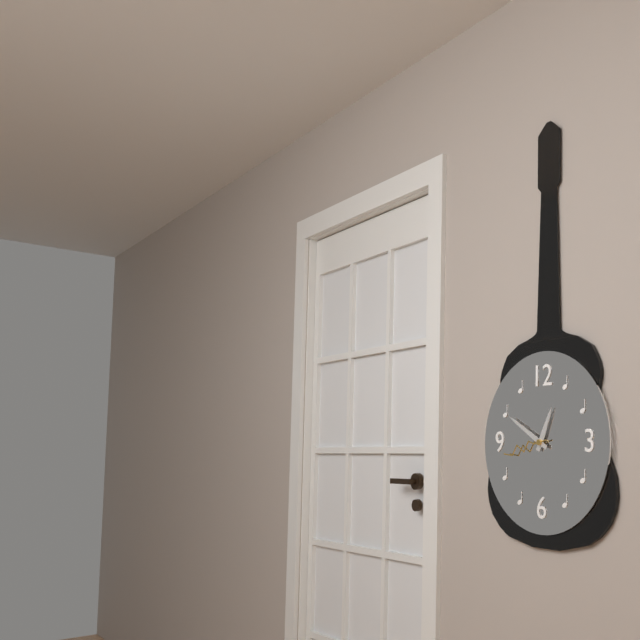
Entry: 12:50
